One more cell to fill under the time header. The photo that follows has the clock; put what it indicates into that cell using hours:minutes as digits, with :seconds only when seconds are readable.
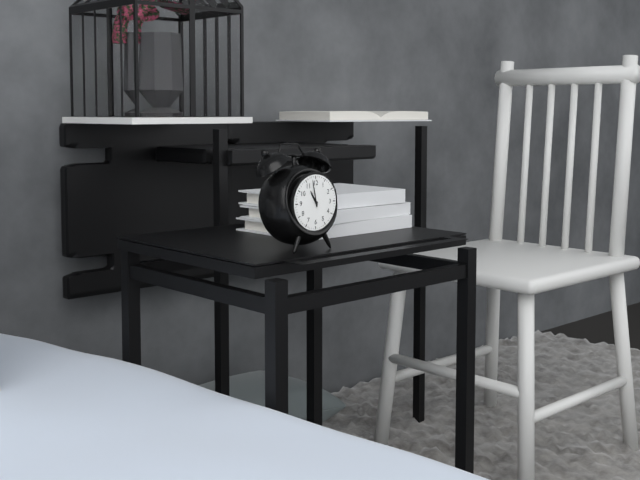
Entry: 10:58
